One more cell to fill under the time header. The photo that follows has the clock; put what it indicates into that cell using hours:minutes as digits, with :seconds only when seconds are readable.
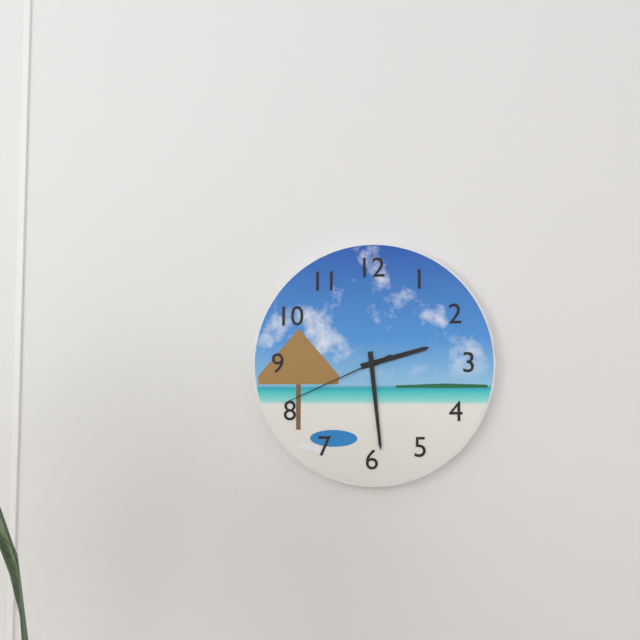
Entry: 2:29:41
